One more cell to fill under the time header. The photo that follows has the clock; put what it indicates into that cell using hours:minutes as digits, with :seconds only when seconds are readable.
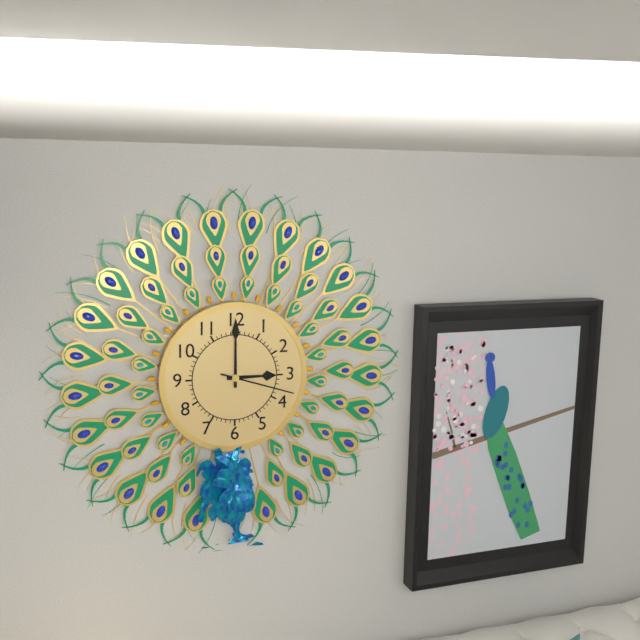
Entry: 3:00:18
